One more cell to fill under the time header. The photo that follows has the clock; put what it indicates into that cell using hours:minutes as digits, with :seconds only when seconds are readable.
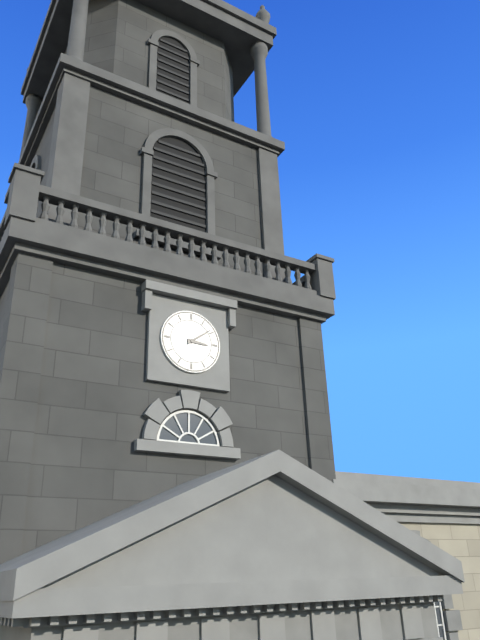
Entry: 3:09
